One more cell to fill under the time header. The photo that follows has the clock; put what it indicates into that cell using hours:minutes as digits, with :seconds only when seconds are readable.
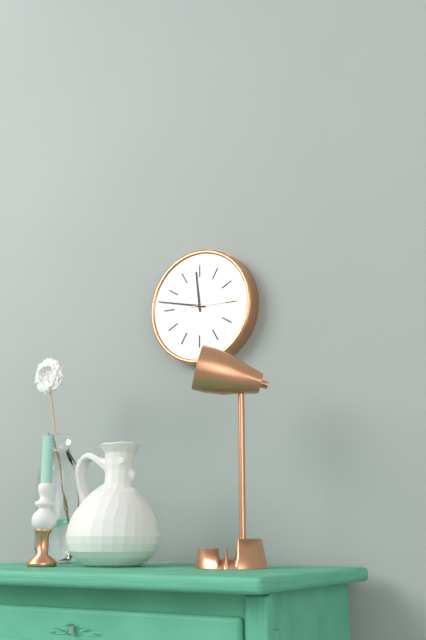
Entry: 11:47
